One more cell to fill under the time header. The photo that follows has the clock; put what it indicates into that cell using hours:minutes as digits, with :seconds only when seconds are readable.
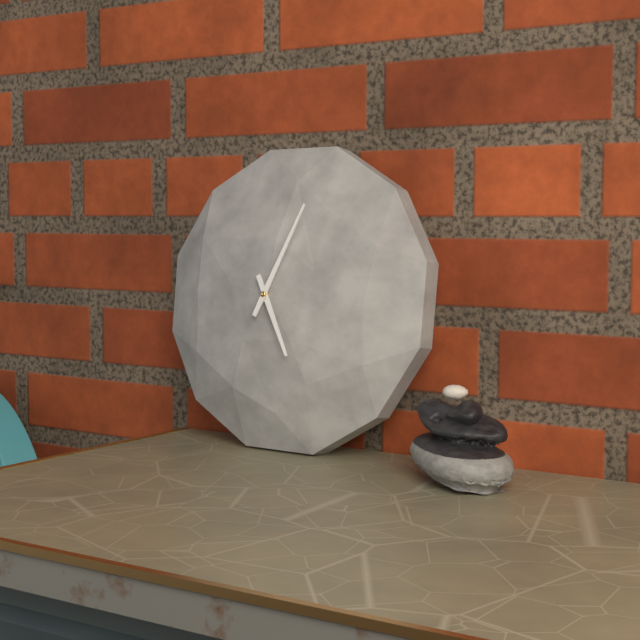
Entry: 5:04
